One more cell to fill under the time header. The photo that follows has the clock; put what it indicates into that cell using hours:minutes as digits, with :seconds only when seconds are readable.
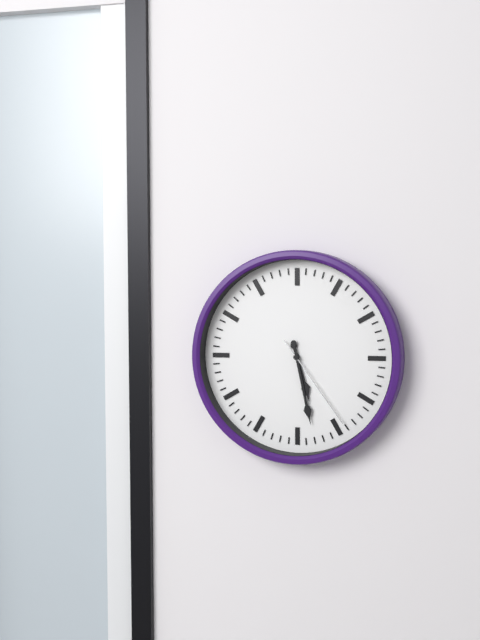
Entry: 5:28:24
